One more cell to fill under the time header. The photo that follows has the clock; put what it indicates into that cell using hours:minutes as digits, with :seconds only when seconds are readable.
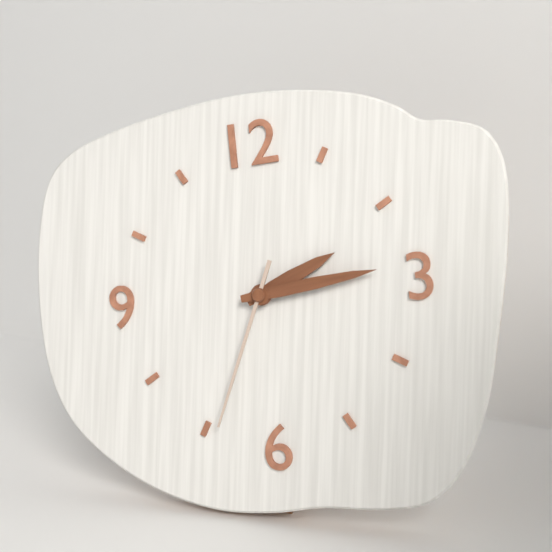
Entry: 2:14:34
